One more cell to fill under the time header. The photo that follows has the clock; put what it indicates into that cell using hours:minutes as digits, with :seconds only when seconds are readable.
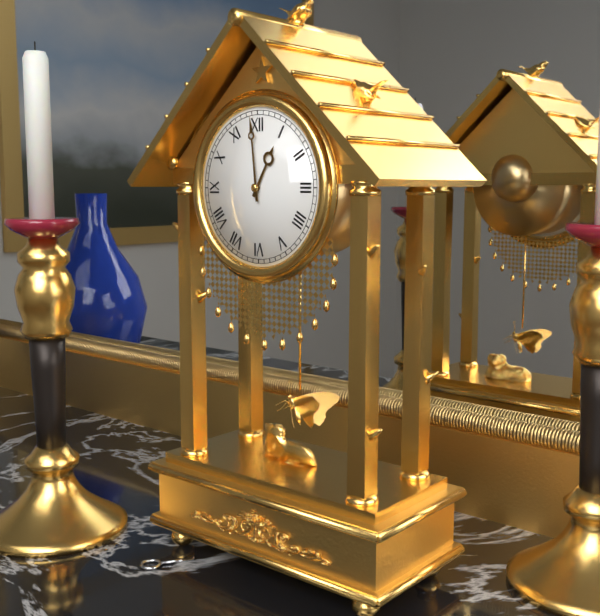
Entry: 12:59
